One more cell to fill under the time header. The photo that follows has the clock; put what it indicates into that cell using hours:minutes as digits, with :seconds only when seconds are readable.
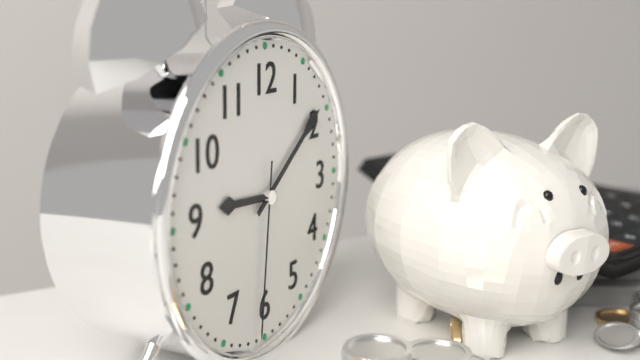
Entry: 9:09:31
